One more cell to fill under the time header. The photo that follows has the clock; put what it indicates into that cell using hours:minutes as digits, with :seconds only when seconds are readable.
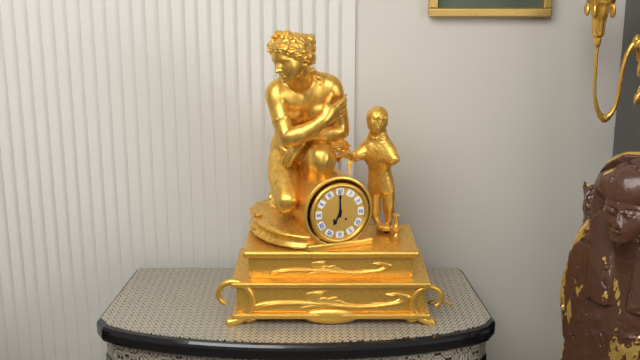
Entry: 7:00
